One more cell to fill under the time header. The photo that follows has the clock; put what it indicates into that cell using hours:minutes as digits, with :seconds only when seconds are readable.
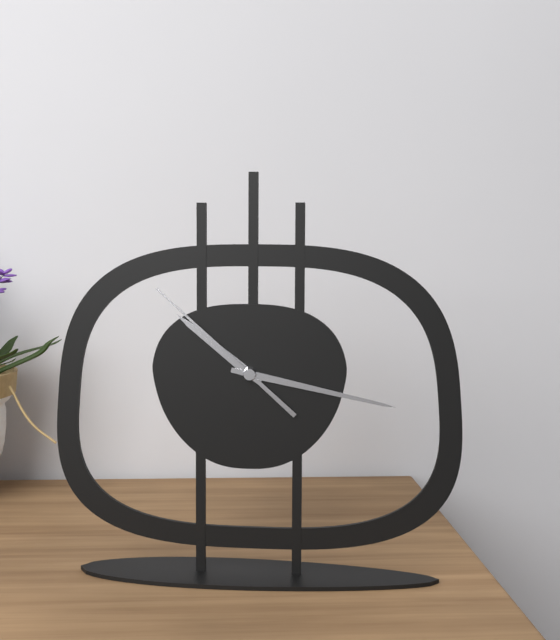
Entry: 10:17:52
